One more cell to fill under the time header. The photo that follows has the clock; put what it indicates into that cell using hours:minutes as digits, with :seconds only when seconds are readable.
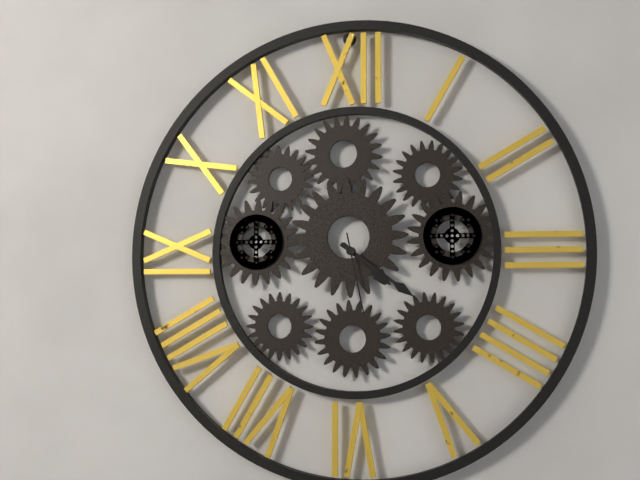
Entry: 4:21:28
